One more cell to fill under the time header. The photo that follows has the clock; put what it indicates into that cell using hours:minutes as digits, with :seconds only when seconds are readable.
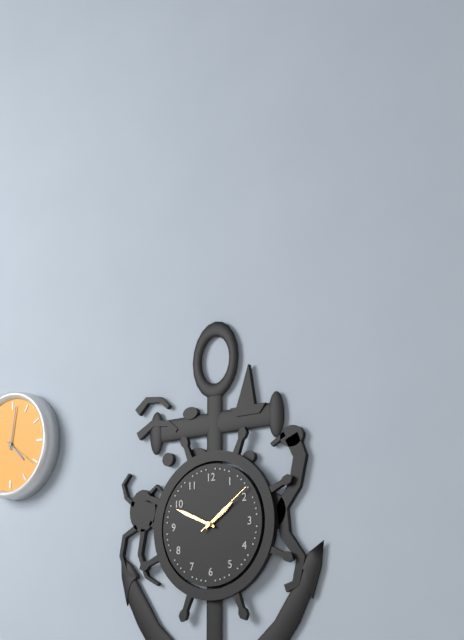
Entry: 1:49:09
